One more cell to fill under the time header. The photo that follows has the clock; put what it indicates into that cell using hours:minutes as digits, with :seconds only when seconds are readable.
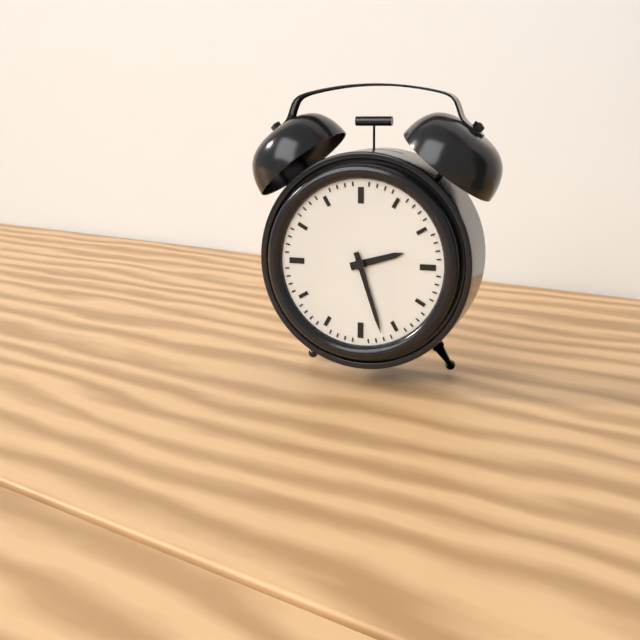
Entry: 2:27
